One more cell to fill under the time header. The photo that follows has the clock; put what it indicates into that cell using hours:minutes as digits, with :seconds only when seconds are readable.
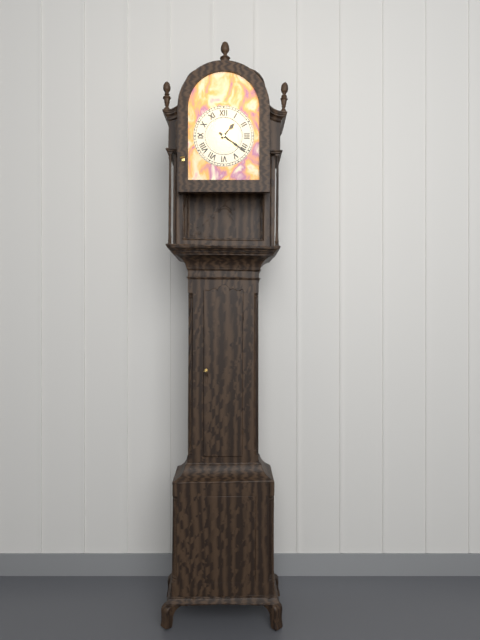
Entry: 1:21
